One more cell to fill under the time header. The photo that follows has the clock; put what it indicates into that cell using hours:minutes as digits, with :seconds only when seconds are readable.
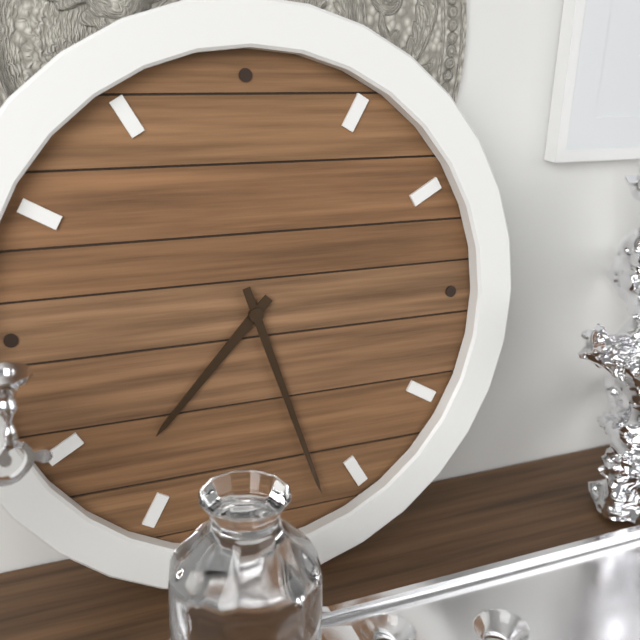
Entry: 7:27
